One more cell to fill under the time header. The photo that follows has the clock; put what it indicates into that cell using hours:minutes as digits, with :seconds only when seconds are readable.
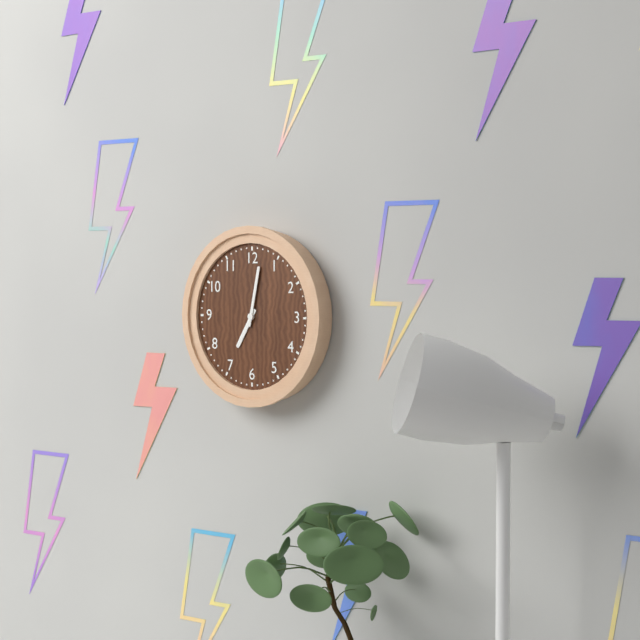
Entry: 7:02
